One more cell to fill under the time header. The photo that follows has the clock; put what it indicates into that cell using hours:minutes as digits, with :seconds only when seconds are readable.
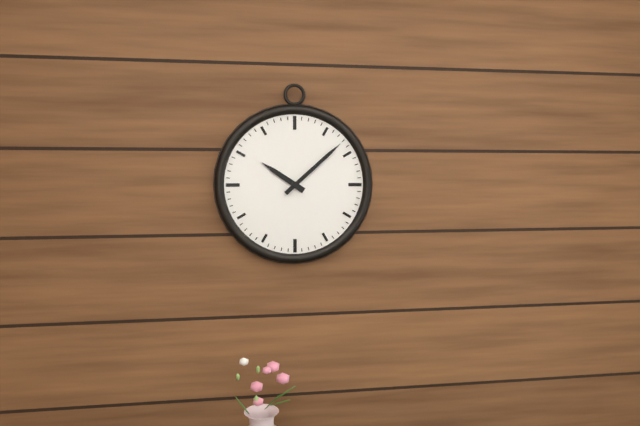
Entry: 10:08
